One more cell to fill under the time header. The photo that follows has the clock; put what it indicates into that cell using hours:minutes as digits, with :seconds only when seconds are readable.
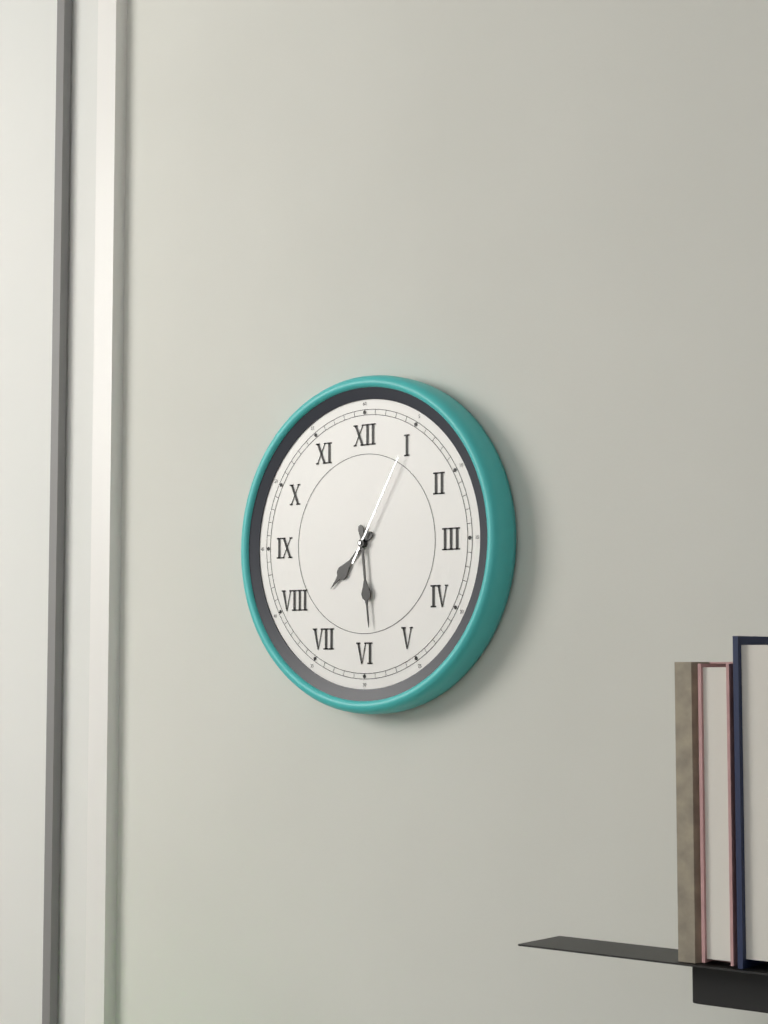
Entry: 7:29:05
